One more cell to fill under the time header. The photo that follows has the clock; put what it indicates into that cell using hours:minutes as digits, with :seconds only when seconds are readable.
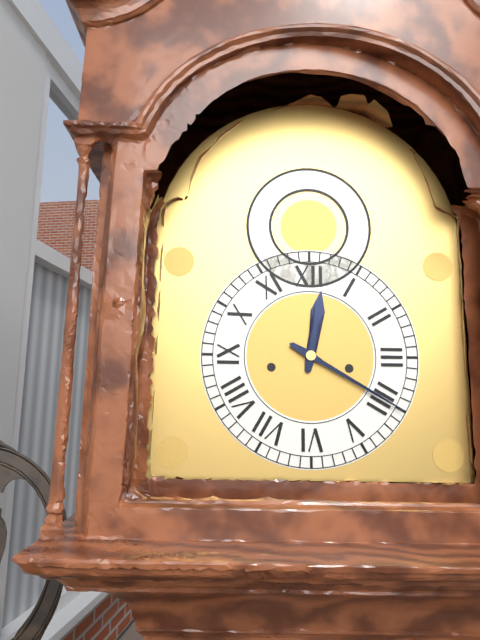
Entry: 12:20
